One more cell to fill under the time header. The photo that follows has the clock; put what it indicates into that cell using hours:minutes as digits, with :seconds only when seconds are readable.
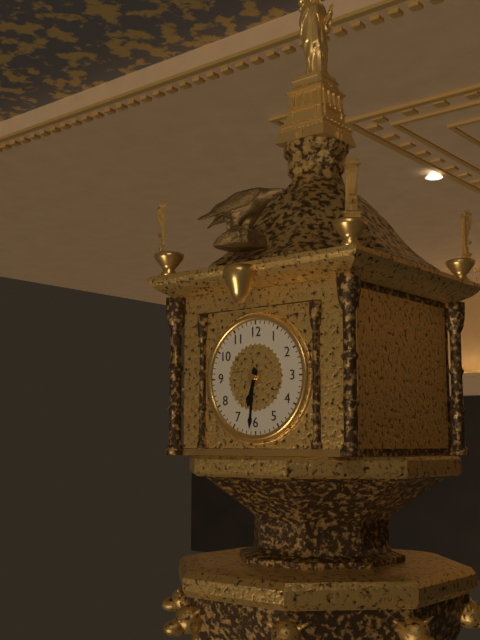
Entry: 6:31
